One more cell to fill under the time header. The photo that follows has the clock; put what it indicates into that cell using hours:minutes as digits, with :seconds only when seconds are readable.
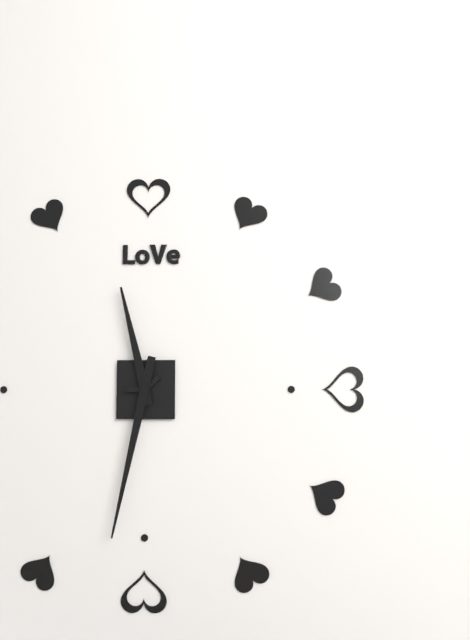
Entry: 11:32
